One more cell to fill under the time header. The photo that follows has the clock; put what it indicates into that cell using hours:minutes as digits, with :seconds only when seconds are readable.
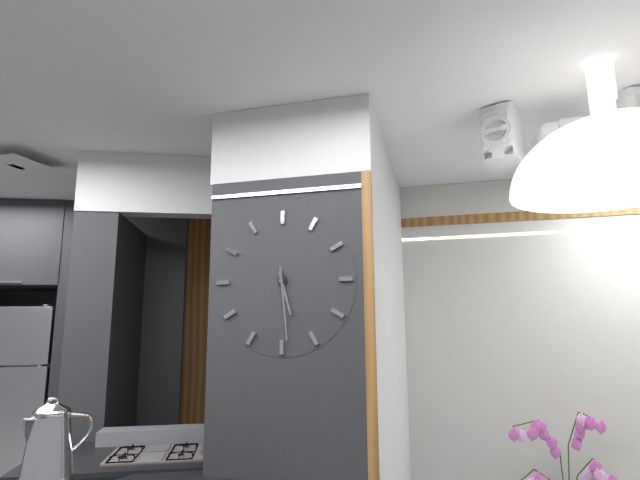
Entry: 5:29
